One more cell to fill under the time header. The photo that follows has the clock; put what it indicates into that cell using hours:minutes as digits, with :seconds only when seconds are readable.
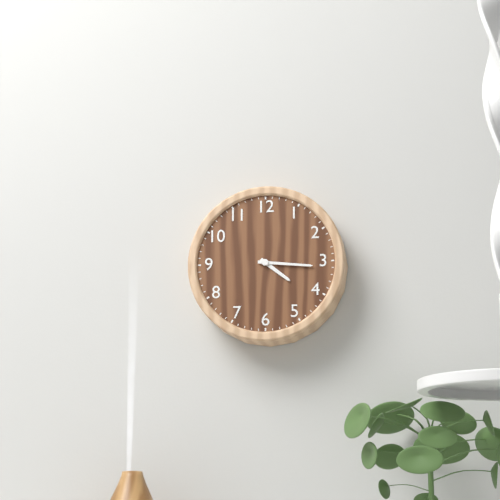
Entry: 4:16
